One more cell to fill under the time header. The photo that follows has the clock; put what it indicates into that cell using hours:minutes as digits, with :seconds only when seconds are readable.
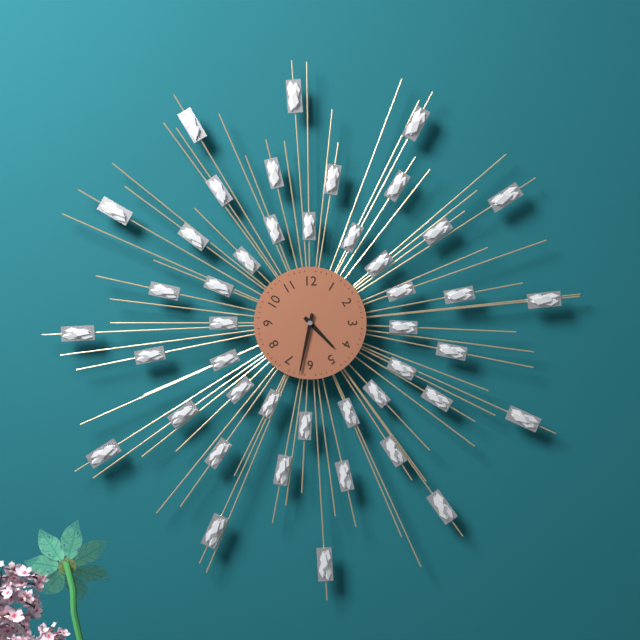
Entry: 4:32
